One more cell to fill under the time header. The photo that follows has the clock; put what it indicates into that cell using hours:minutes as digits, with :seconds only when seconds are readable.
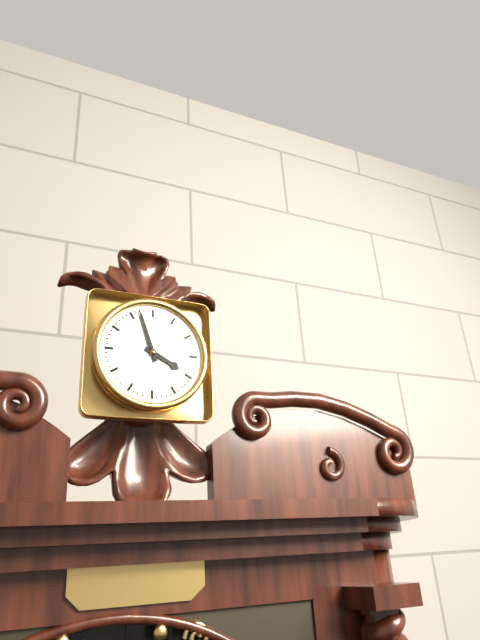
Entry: 3:57
